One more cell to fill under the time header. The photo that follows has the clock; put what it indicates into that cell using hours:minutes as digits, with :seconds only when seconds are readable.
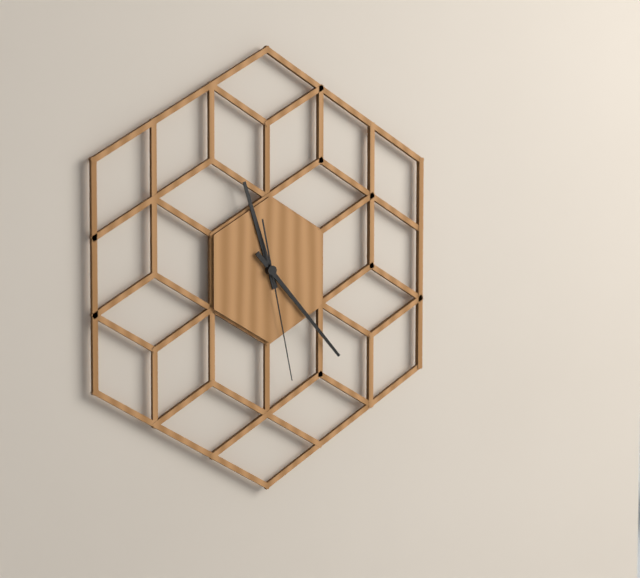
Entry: 11:23:28
